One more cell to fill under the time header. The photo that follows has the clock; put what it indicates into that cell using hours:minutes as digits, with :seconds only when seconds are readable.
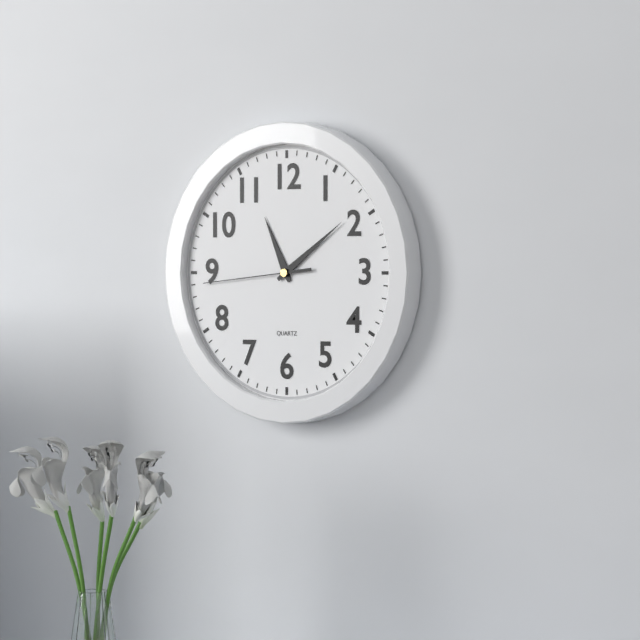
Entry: 11:09:44
